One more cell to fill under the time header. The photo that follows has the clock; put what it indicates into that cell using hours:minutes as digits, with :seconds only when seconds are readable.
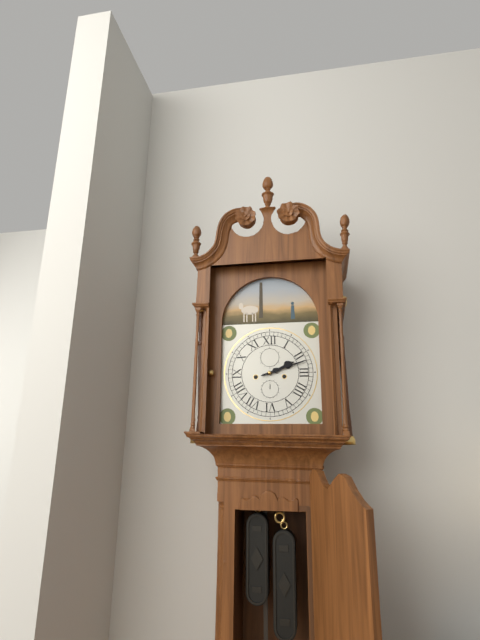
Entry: 2:12
